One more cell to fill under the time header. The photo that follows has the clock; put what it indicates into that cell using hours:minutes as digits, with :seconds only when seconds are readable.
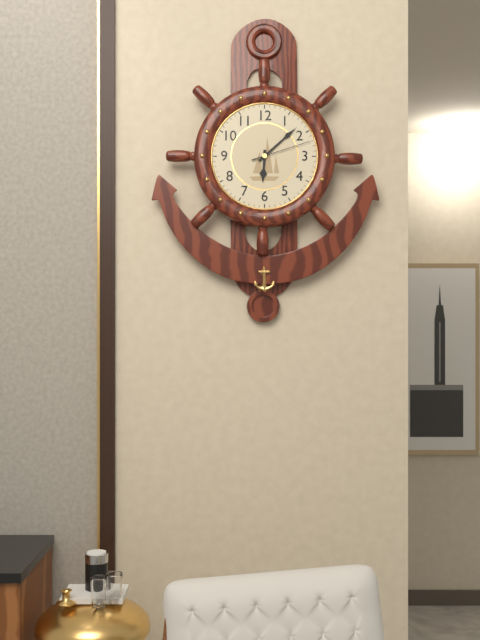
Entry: 6:08:12
